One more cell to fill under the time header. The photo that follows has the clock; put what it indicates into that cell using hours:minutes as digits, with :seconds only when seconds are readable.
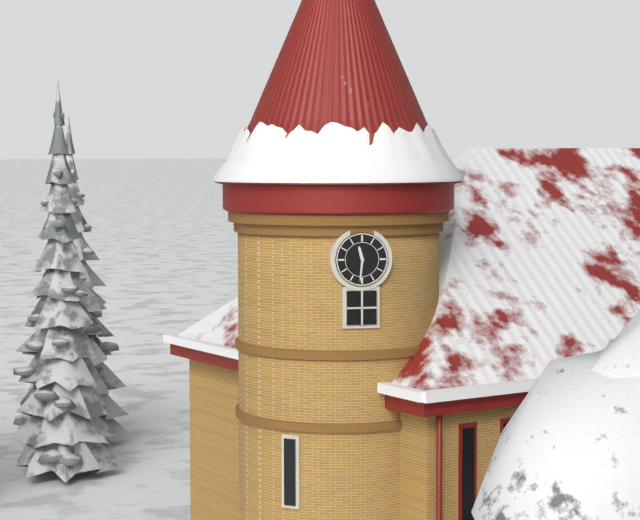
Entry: 11:31
